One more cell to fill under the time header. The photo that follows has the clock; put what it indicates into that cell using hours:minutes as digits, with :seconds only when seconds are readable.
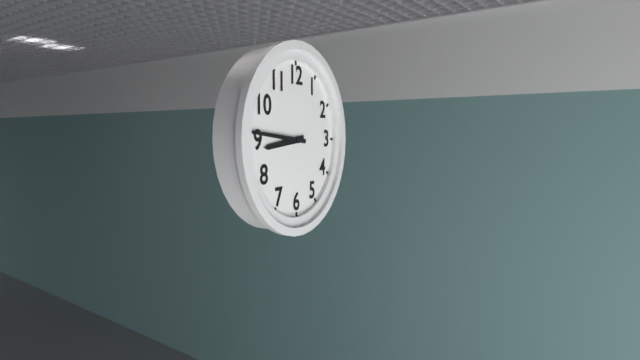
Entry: 8:46
